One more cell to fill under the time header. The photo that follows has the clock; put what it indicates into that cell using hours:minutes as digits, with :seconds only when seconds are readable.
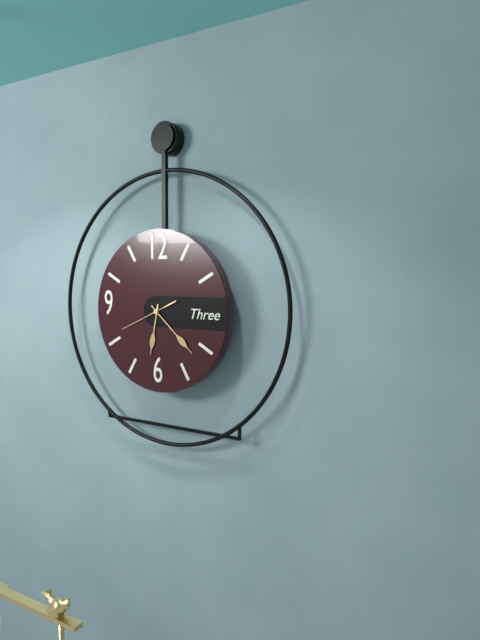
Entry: 6:22:41
